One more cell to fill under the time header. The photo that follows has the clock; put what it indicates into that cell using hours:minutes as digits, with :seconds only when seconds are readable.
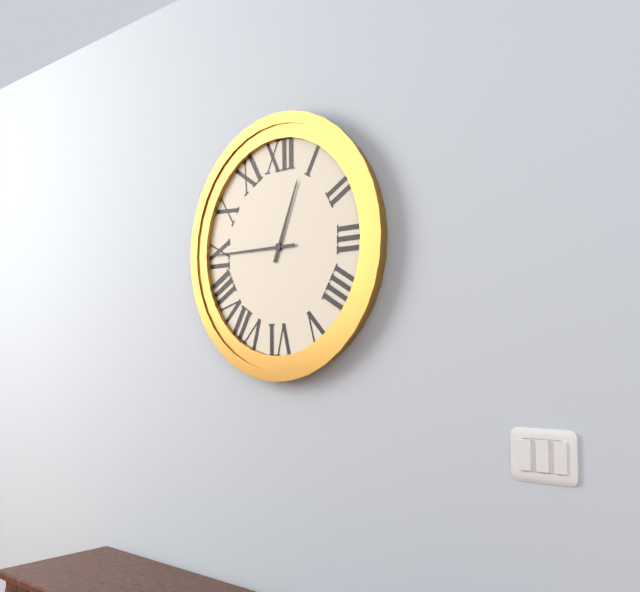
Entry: 12:45
